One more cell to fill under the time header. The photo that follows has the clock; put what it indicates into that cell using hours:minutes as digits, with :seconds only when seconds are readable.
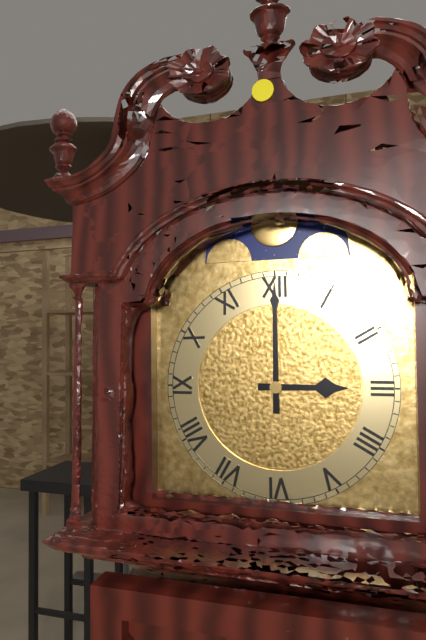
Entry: 3:00
